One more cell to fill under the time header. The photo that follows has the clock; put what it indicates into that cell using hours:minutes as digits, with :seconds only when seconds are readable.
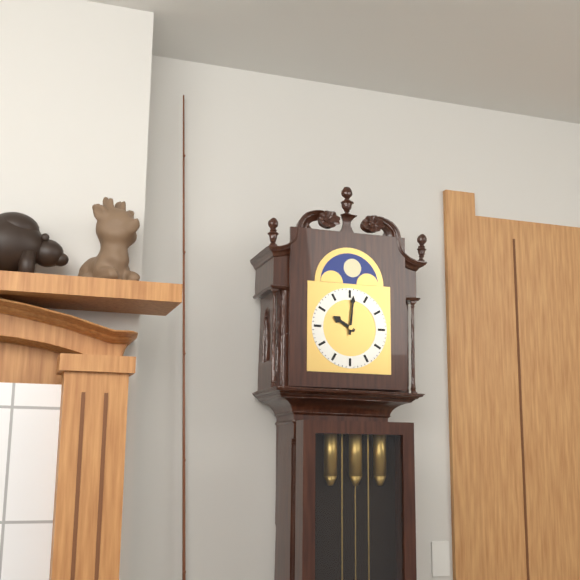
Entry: 10:01
